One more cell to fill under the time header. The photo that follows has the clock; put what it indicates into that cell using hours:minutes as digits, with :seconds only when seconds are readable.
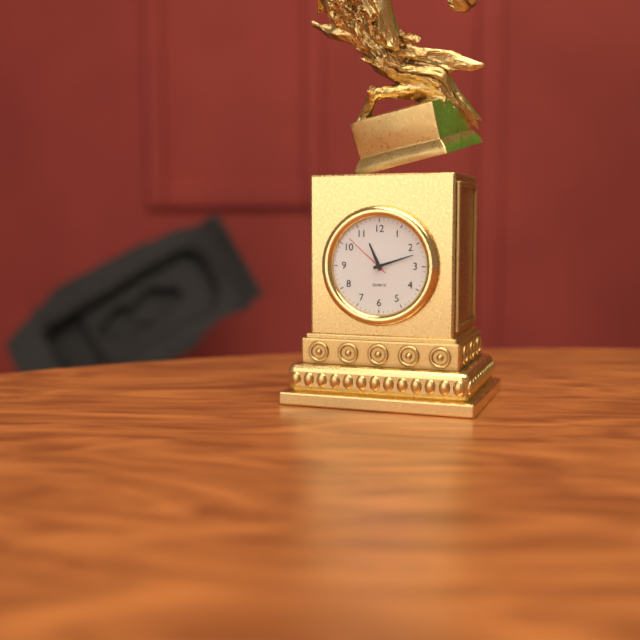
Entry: 11:12:52
